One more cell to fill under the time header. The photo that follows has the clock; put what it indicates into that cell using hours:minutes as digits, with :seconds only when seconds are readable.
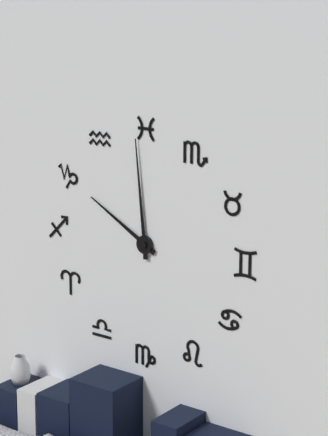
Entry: 9:59
